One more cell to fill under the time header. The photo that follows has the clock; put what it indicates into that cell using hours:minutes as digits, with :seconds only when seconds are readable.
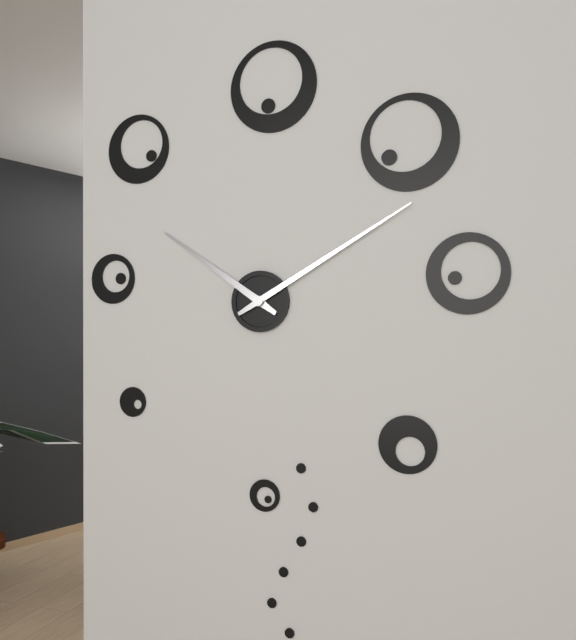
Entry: 10:10
